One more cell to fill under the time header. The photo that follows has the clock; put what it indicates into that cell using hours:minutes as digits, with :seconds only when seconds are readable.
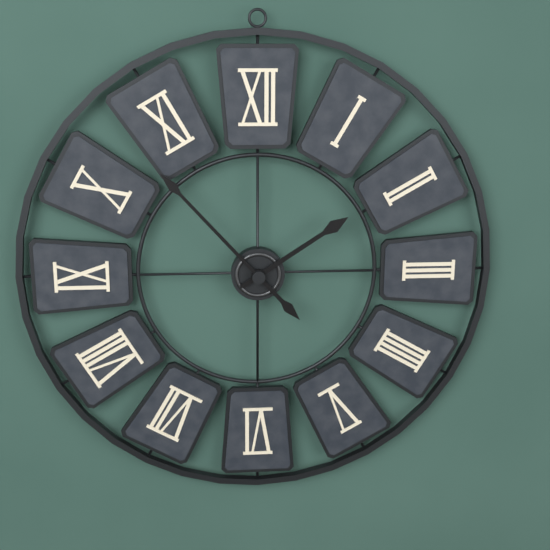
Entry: 1:53
